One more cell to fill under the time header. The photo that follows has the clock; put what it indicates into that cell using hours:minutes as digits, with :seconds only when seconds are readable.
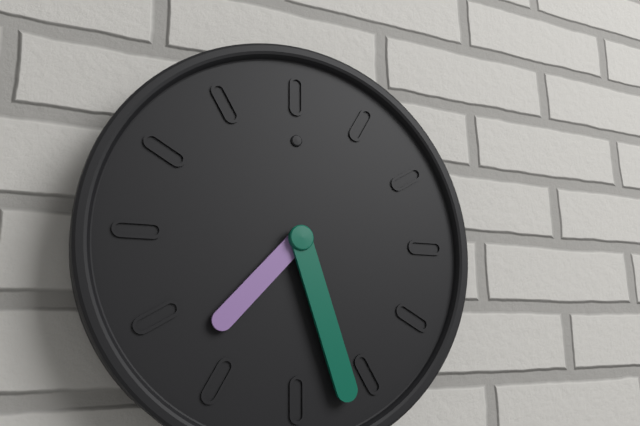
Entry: 7:27
